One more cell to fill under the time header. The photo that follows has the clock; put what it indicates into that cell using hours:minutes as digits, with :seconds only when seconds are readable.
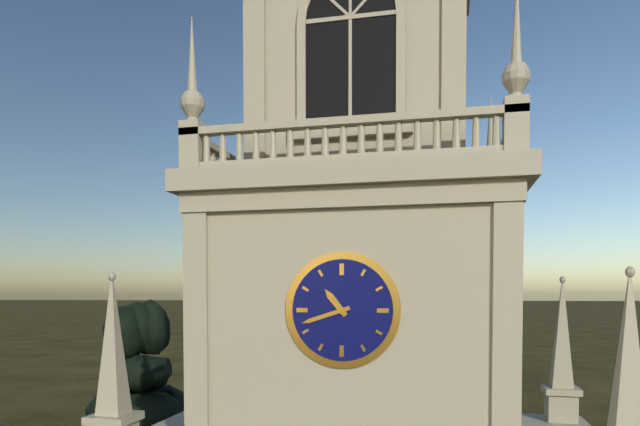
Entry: 10:42
